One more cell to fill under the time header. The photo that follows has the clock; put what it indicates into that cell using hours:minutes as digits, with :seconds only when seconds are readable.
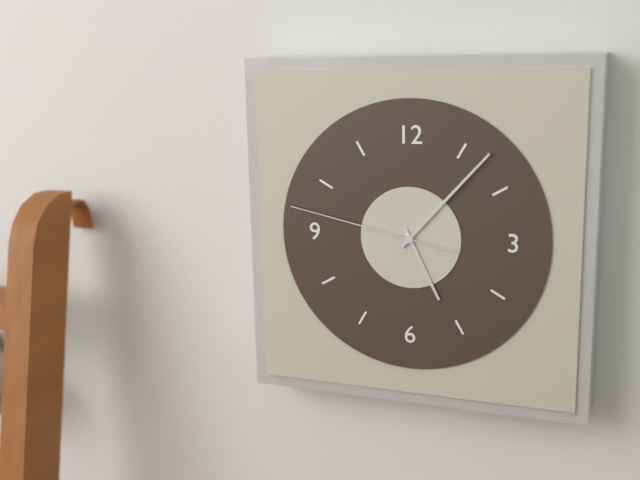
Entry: 5:07:47
